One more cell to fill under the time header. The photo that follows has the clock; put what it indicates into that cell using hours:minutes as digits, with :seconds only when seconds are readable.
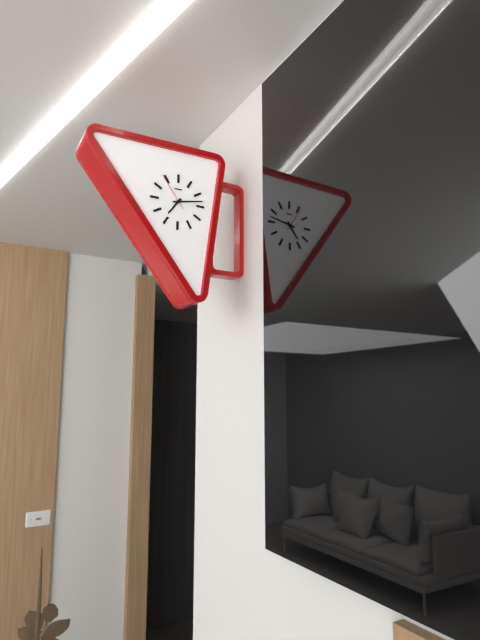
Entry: 7:13
